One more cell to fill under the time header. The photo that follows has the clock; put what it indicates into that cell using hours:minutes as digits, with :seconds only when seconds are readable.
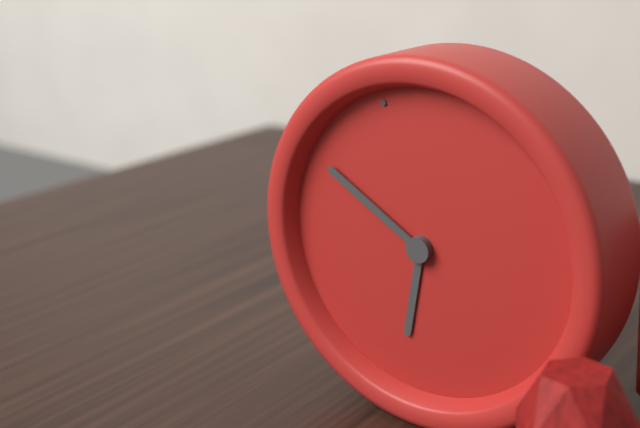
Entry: 6:53
